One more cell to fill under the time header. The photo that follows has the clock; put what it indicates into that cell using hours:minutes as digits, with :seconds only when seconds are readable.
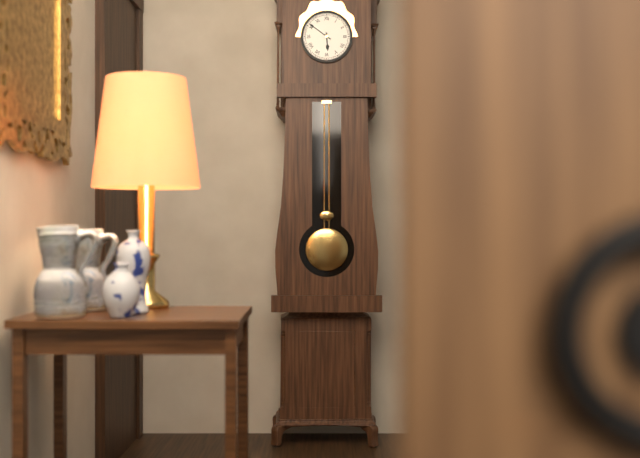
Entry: 5:51
